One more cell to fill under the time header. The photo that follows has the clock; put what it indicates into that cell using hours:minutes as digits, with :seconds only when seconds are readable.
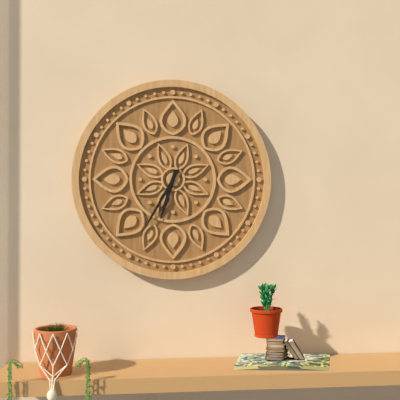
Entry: 6:35
